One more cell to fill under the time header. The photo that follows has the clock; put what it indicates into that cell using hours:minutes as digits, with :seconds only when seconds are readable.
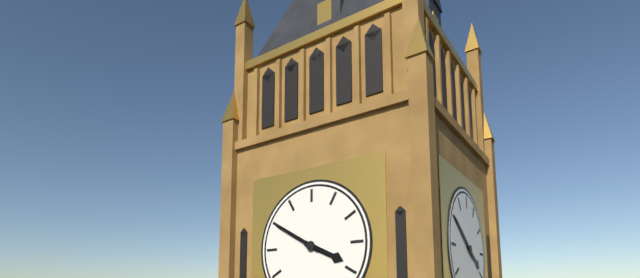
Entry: 3:50
